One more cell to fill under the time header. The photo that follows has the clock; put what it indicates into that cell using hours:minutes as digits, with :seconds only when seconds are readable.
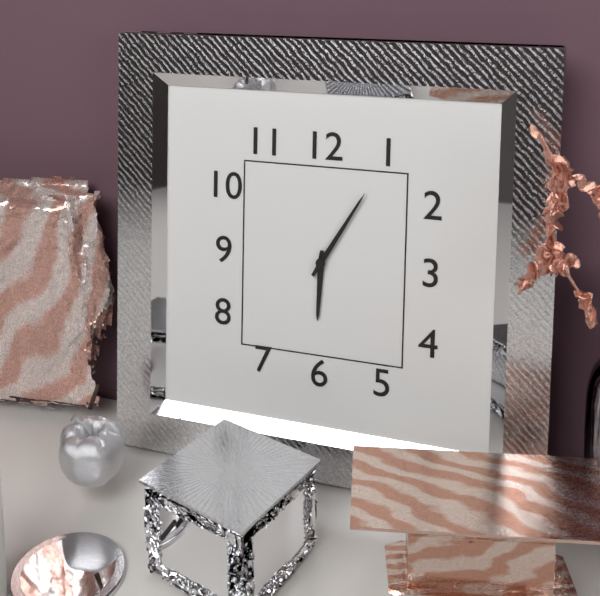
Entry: 6:05
